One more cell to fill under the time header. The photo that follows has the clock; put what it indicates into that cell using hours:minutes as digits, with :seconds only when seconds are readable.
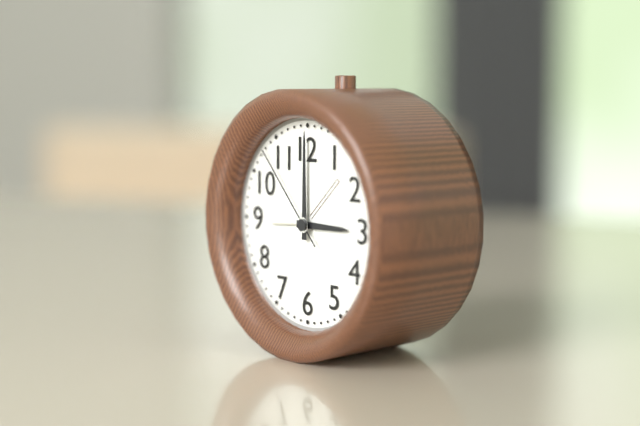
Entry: 3:00:53
